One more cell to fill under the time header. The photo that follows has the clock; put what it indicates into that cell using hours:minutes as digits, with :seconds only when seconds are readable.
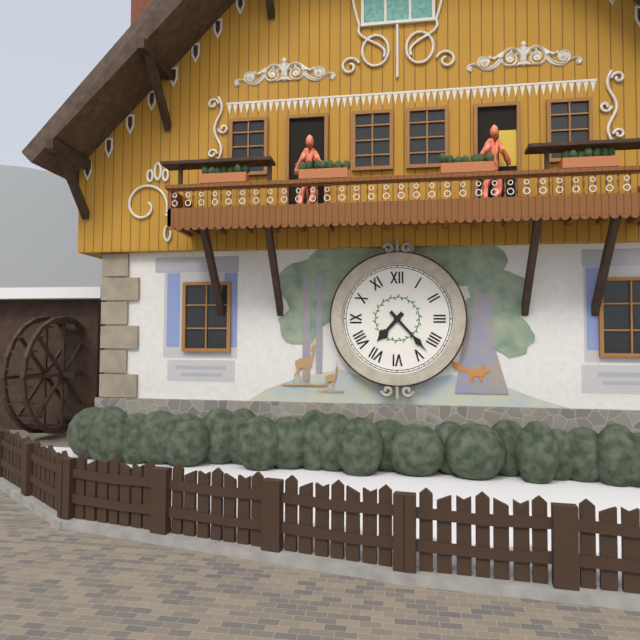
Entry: 7:23
